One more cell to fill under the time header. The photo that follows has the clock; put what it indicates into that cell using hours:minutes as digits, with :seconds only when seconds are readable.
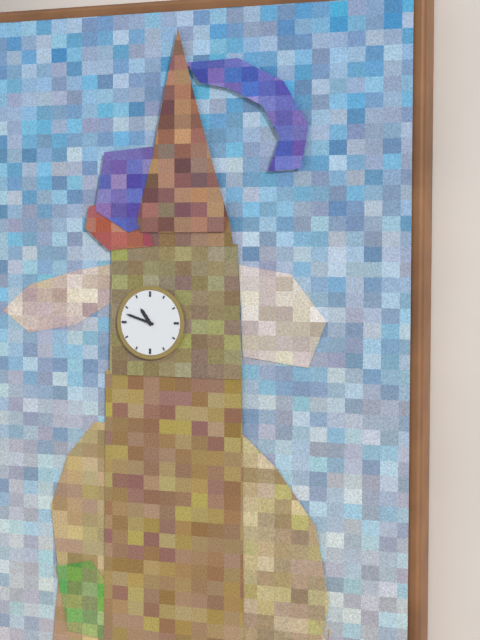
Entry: 10:48
